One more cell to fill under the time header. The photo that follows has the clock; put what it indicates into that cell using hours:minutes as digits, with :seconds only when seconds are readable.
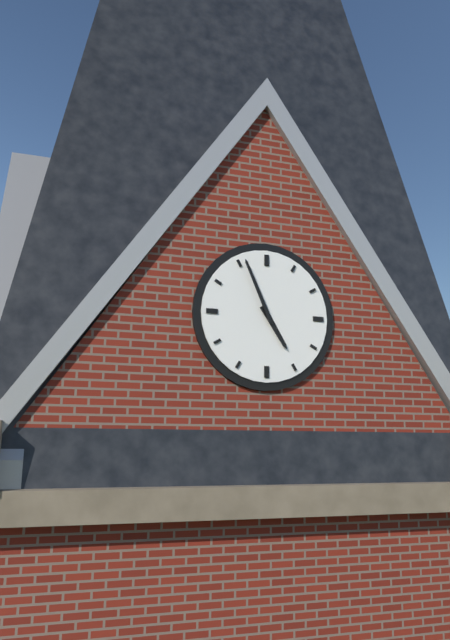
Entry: 4:56
